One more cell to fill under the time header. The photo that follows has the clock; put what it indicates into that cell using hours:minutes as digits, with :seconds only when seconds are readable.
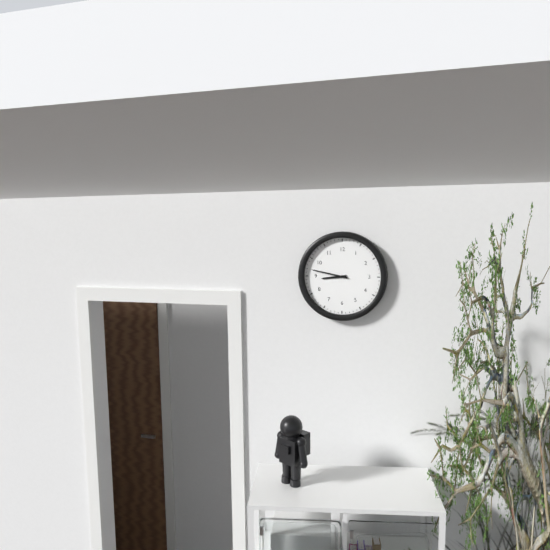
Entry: 8:47
